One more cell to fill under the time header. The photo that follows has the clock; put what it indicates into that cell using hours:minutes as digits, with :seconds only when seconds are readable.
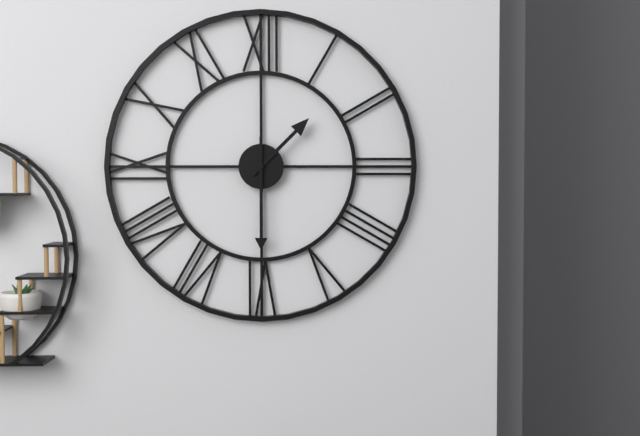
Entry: 1:30
